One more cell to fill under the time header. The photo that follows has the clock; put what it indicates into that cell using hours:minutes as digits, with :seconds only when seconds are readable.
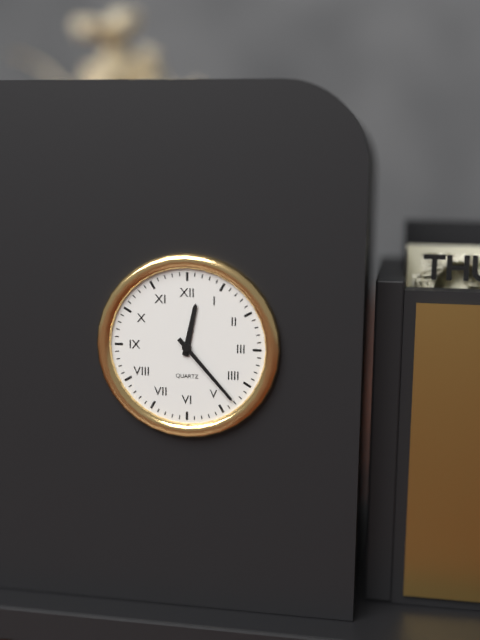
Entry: 12:23
